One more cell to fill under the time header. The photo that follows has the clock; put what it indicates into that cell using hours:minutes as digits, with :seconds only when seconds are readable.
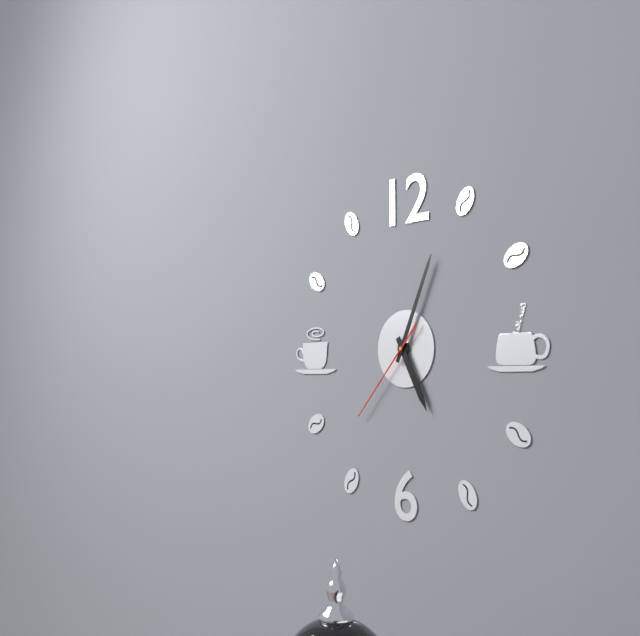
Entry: 5:04:37
